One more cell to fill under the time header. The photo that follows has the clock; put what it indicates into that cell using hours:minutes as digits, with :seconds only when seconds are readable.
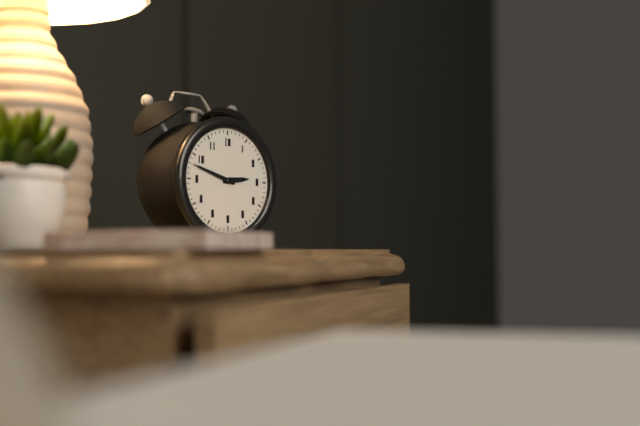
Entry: 2:48
